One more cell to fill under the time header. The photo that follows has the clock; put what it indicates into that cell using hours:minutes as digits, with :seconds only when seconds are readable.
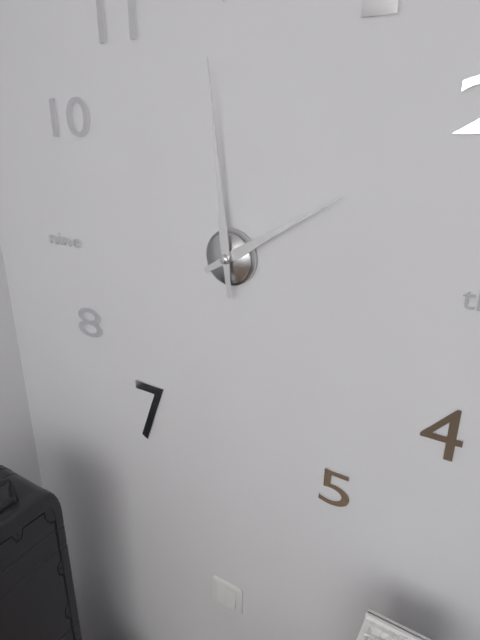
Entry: 1:59
